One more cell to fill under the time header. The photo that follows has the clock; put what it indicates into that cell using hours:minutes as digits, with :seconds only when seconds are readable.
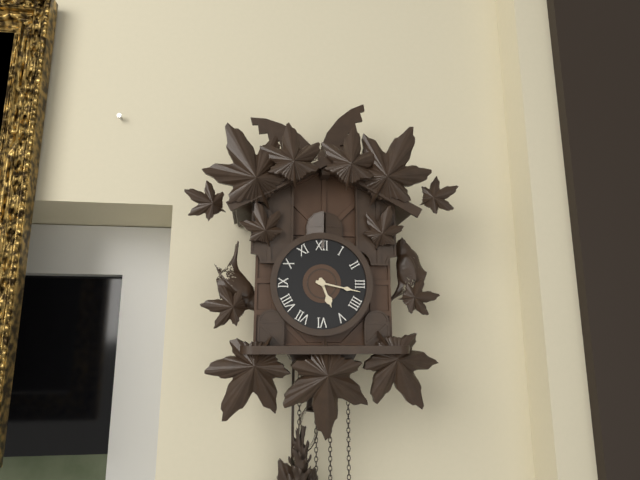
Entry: 5:17
